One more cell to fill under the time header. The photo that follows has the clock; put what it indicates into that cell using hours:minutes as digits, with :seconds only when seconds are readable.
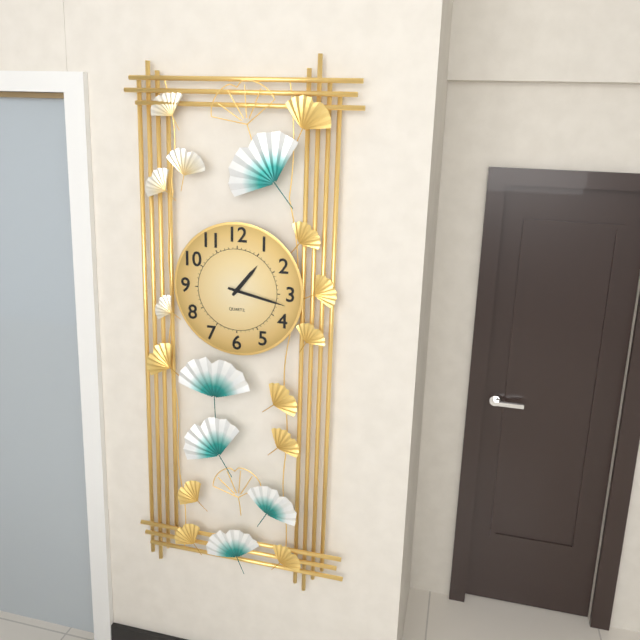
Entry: 1:17
